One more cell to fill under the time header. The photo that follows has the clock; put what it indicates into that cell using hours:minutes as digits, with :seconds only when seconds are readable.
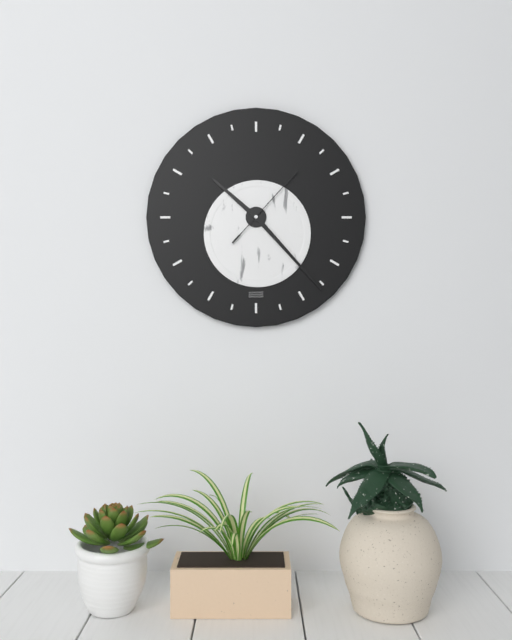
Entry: 10:23:07
